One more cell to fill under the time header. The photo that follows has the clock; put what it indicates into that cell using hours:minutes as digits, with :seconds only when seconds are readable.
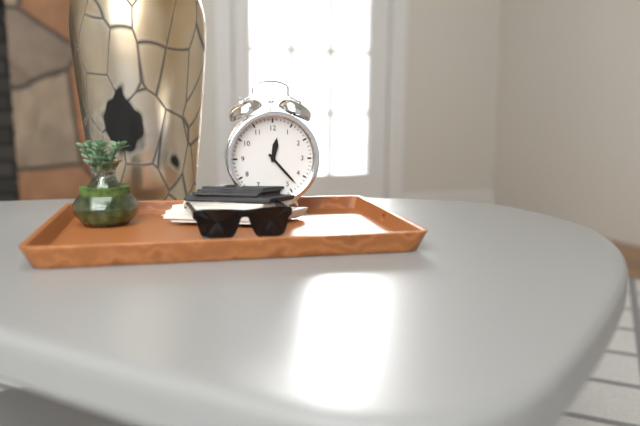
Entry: 12:23
